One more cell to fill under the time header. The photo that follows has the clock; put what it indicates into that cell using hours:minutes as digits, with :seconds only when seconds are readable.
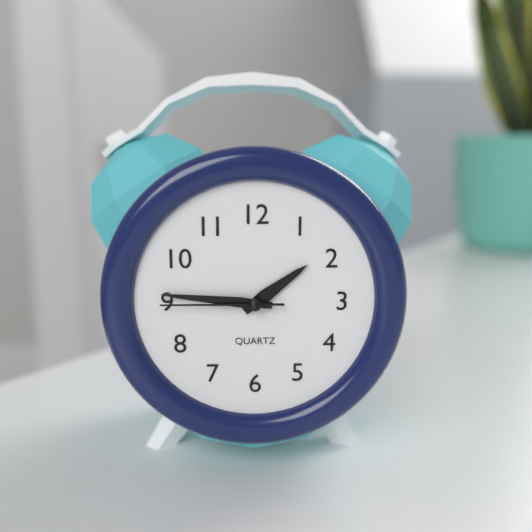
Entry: 1:46:45
